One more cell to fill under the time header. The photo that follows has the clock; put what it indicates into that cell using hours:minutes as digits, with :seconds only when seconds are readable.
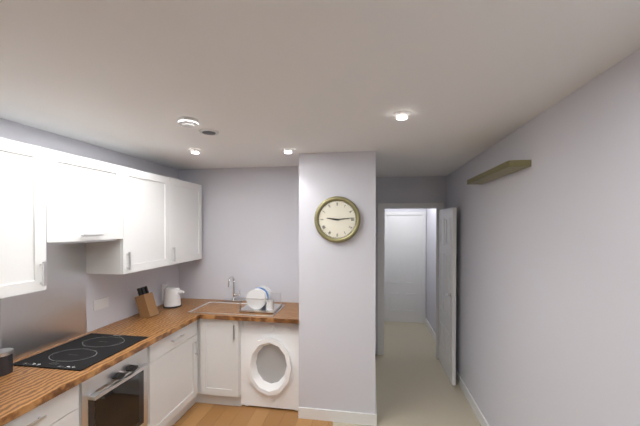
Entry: 9:14
